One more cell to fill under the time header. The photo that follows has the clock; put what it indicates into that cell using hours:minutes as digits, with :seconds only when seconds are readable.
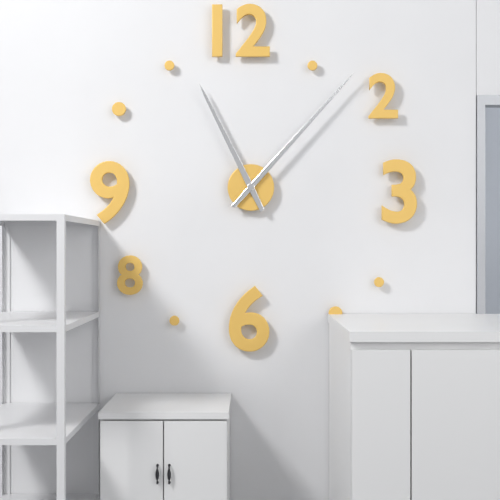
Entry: 11:07
